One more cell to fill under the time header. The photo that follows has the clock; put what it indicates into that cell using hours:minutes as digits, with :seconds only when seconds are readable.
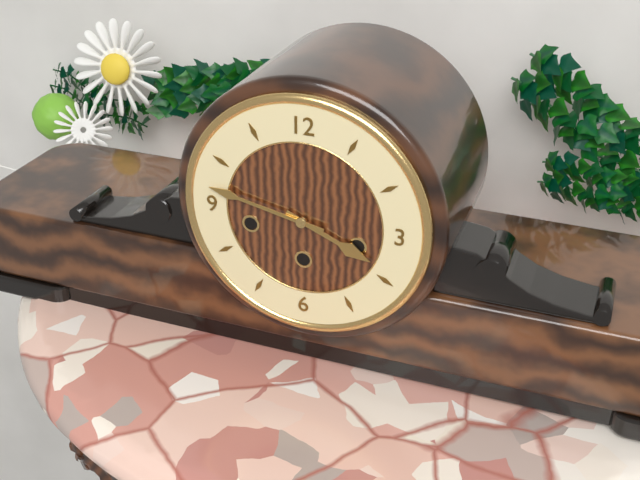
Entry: 3:47
